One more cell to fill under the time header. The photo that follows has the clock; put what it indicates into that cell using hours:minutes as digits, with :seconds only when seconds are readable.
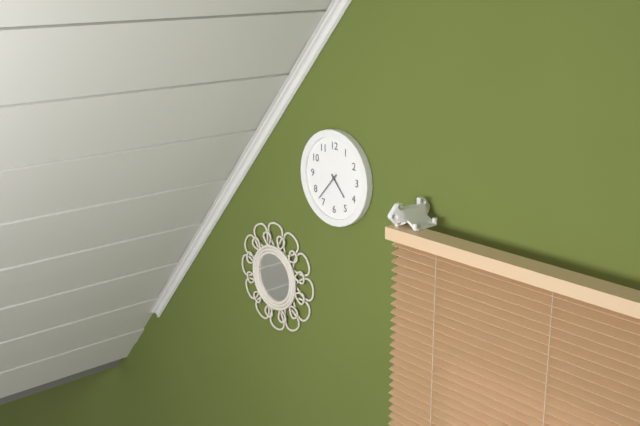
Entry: 4:37
